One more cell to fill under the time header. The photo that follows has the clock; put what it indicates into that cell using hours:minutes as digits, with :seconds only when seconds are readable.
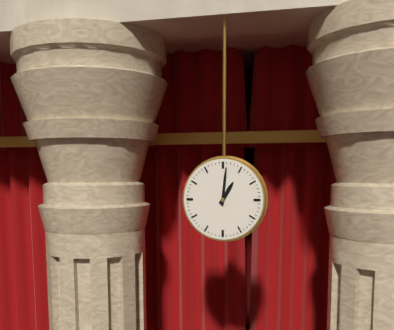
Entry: 1:01
